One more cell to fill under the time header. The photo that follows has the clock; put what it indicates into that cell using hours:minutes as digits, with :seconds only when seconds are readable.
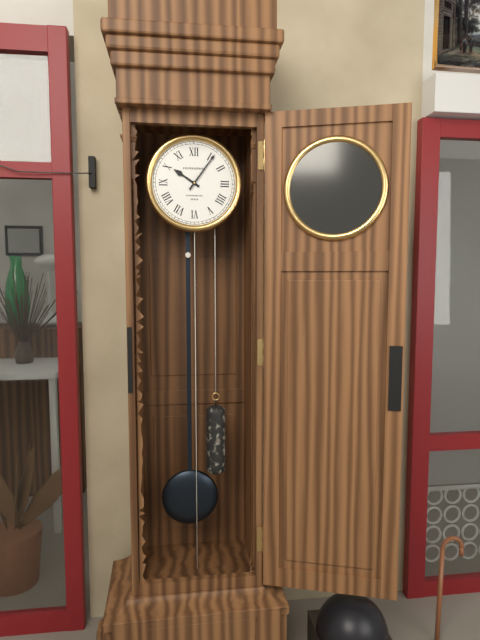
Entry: 10:06
